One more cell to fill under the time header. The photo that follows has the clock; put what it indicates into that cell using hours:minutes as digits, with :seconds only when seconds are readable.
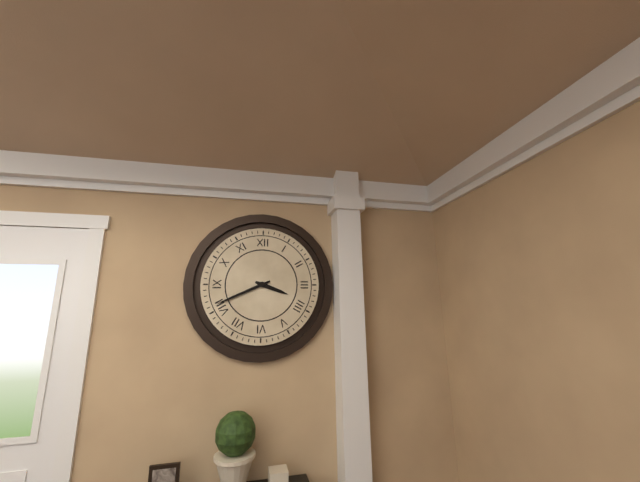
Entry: 3:41
